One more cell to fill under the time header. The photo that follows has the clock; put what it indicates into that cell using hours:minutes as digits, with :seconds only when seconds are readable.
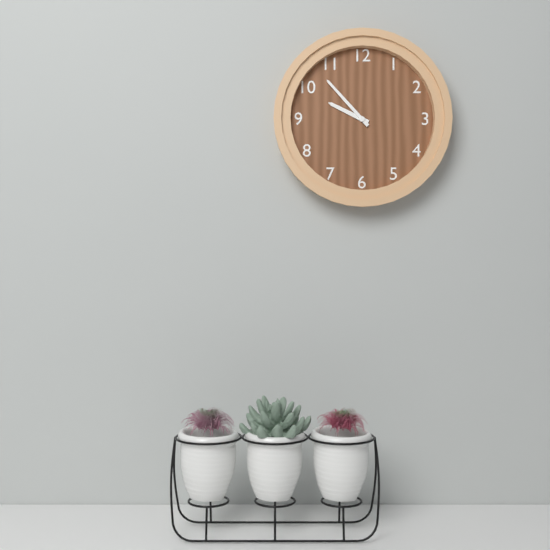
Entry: 9:53
